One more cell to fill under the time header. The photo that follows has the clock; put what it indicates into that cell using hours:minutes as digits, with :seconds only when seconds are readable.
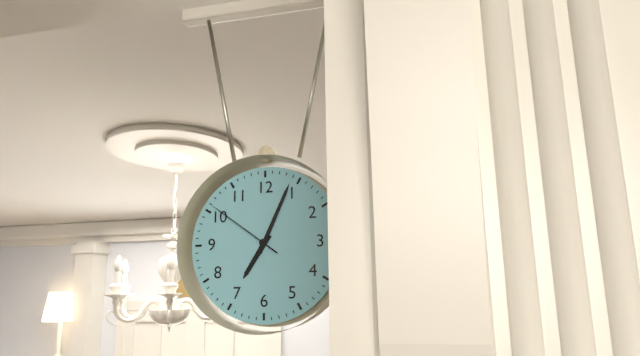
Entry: 7:04:51
